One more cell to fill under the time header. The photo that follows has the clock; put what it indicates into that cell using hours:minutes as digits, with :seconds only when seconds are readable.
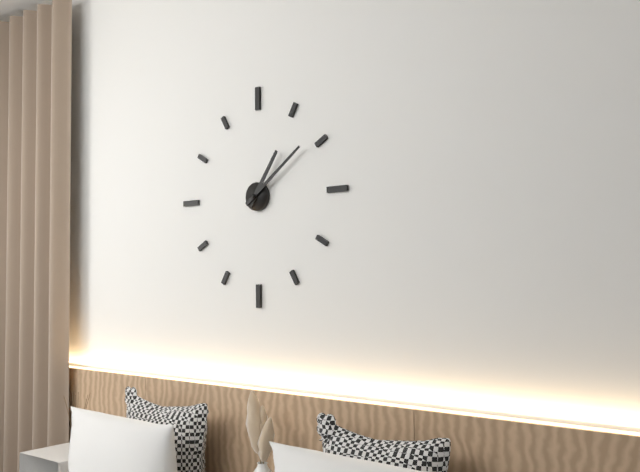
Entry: 1:09
